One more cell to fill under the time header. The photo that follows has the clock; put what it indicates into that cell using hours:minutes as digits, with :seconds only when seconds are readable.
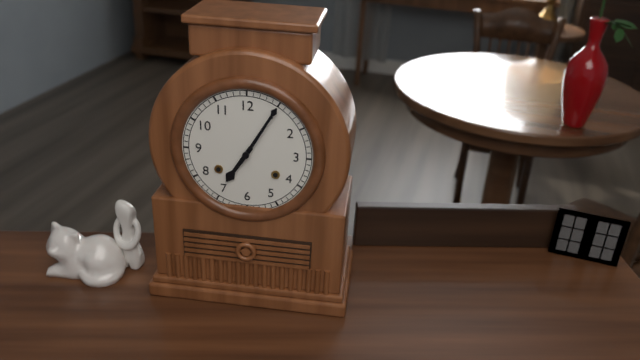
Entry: 7:05
